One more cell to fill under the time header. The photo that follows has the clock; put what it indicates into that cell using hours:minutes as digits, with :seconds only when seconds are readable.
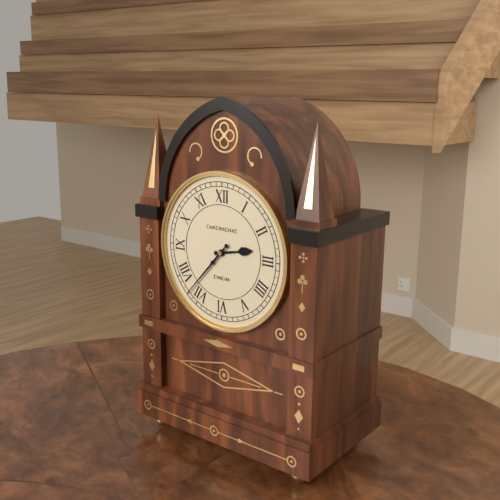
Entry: 2:37
